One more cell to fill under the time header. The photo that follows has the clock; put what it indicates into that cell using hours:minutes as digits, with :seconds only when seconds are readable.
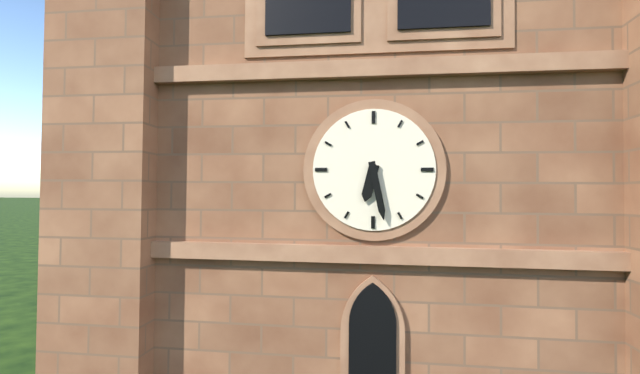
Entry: 6:28
